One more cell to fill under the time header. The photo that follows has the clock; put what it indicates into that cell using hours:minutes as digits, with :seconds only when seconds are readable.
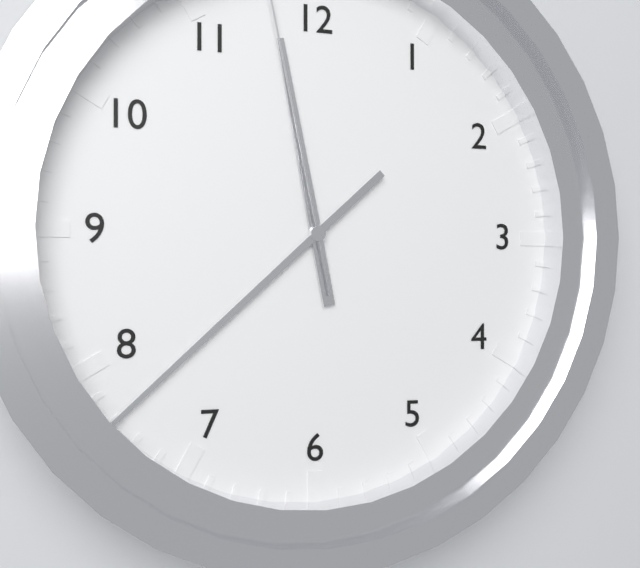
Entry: 11:38
